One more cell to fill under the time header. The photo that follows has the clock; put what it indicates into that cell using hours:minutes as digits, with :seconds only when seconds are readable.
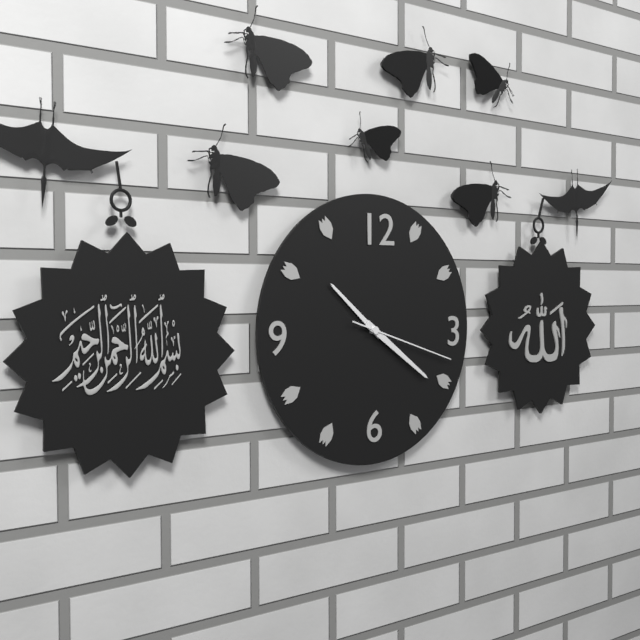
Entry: 10:21:18
